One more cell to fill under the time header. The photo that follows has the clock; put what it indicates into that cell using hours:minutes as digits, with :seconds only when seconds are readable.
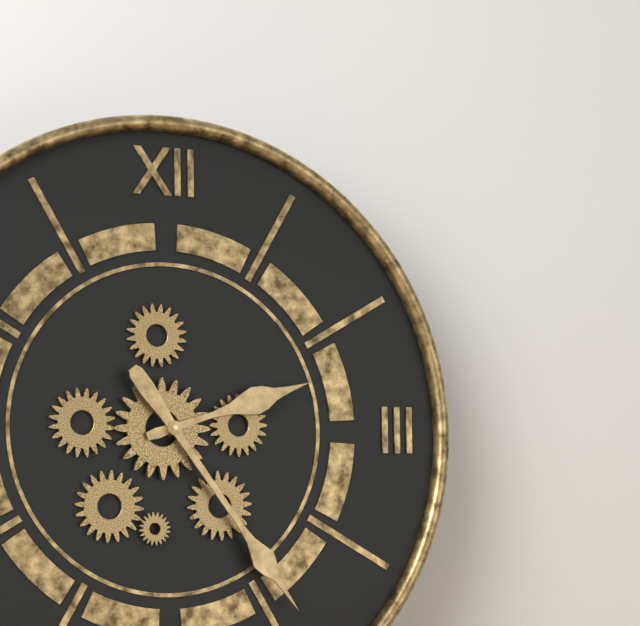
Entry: 2:24
